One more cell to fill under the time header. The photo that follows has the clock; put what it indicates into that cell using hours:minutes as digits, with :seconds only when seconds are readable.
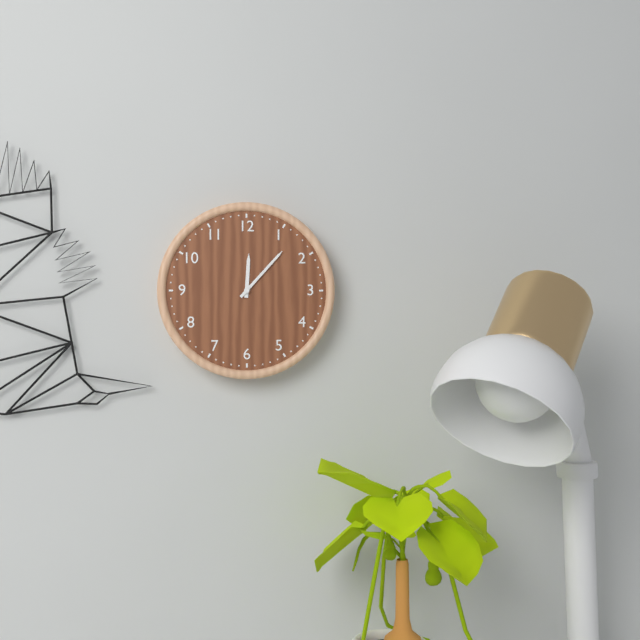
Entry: 12:07
